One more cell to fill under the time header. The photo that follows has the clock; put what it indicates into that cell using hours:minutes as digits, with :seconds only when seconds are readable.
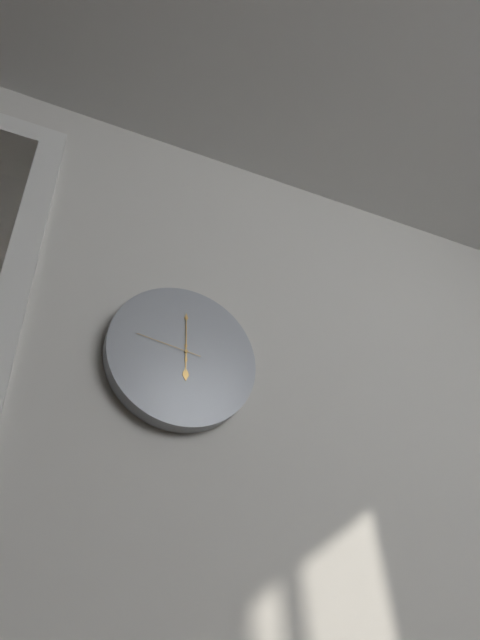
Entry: 6:00:47
